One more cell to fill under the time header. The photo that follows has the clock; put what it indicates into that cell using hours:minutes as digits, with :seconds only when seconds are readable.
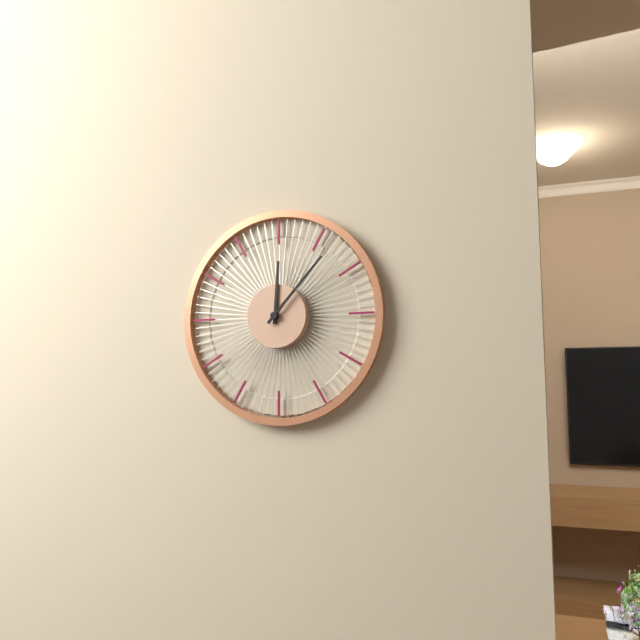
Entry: 12:07
